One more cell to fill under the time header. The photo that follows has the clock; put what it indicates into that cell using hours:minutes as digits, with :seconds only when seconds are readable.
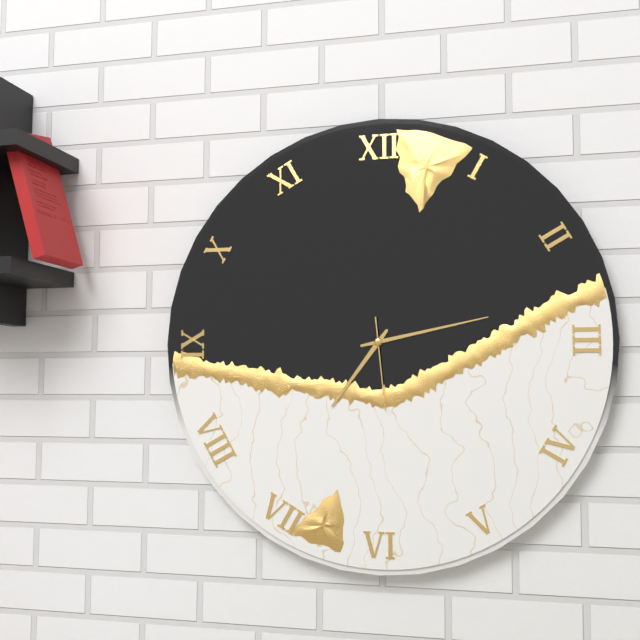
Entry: 7:13:29
